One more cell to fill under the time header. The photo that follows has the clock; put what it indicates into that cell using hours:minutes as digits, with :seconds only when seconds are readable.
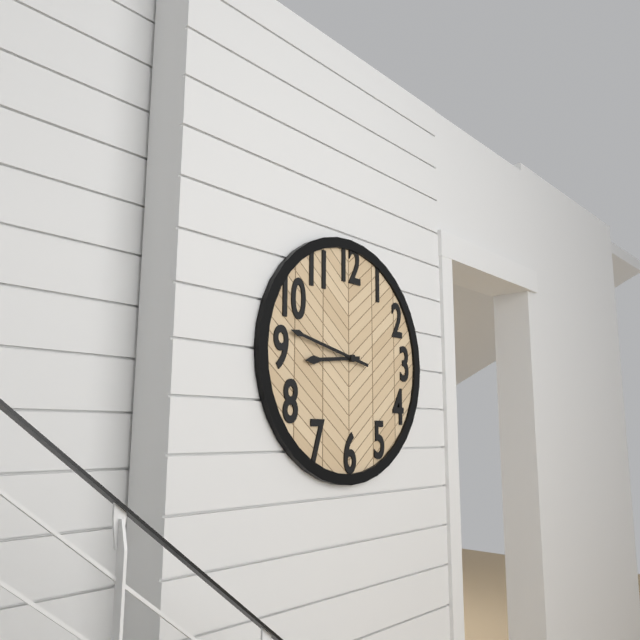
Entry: 8:47
